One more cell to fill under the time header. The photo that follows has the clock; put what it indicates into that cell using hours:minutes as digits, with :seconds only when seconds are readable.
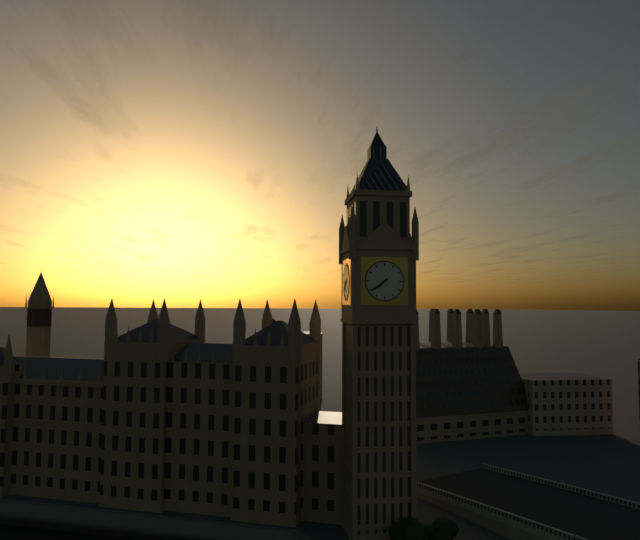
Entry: 7:39
